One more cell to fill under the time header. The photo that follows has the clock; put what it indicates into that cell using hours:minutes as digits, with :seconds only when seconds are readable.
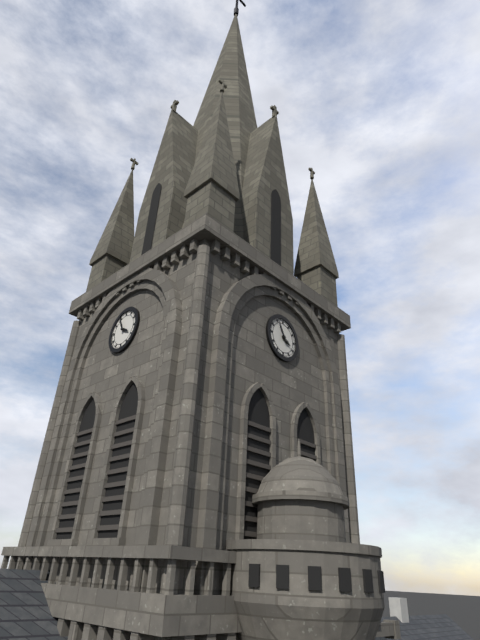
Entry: 3:55
